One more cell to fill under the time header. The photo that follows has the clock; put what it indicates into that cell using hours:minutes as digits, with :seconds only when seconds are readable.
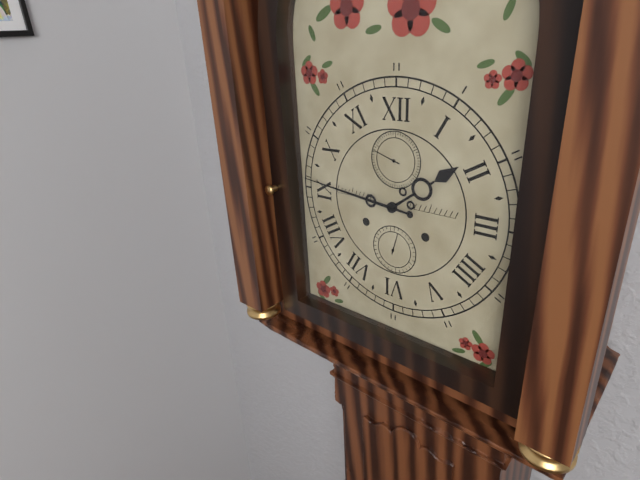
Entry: 1:46
